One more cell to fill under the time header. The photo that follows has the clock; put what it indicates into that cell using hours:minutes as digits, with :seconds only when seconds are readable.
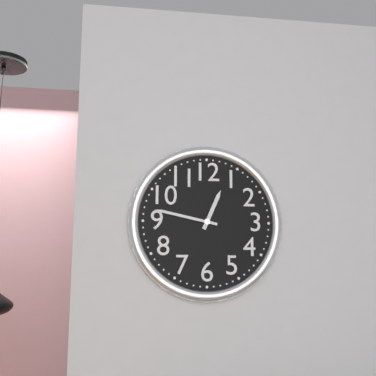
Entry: 12:47
